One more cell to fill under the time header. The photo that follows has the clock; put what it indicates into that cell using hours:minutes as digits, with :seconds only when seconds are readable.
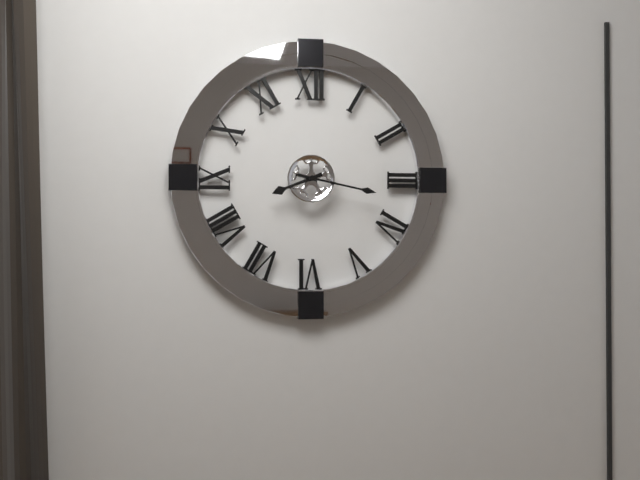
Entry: 8:17
